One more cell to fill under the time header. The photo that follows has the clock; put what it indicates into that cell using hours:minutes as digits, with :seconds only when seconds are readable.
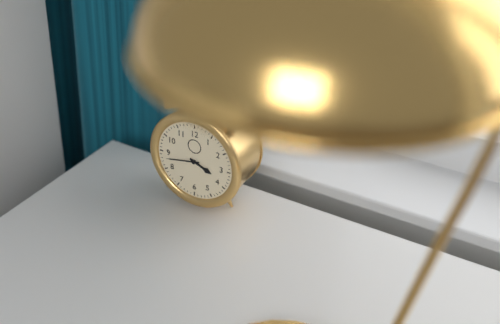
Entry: 3:43
